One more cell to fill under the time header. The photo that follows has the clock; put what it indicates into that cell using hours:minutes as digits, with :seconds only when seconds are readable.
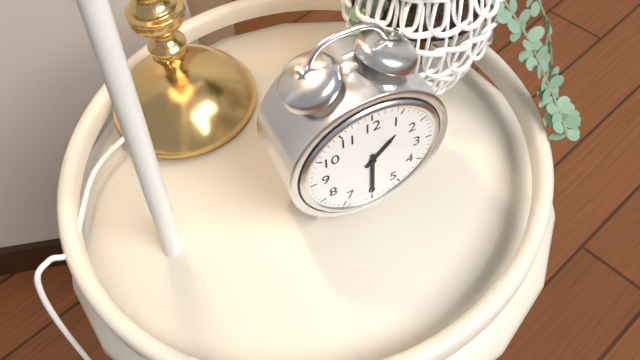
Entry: 1:30
